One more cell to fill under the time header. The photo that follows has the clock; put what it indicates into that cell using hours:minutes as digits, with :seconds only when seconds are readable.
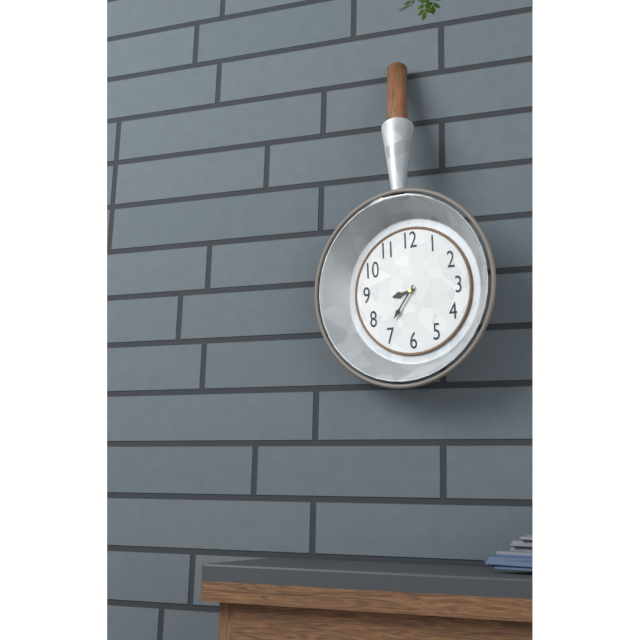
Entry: 8:36
